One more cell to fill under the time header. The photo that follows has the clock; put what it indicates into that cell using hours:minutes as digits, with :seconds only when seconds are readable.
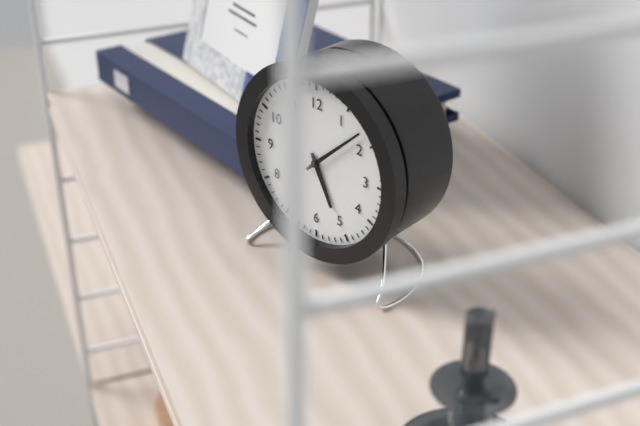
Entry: 5:08
